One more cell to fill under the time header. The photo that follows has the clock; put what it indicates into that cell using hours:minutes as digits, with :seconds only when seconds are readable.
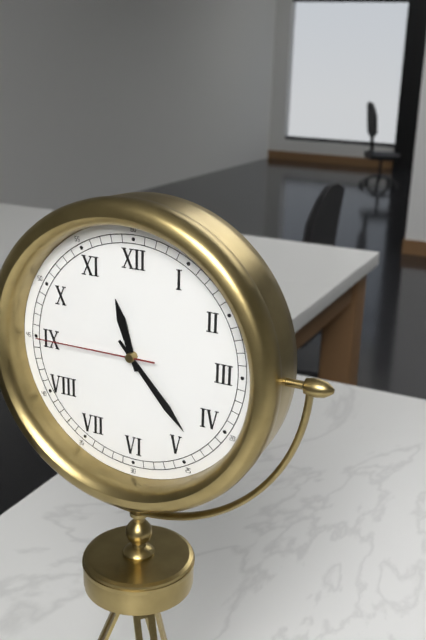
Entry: 11:23:45
